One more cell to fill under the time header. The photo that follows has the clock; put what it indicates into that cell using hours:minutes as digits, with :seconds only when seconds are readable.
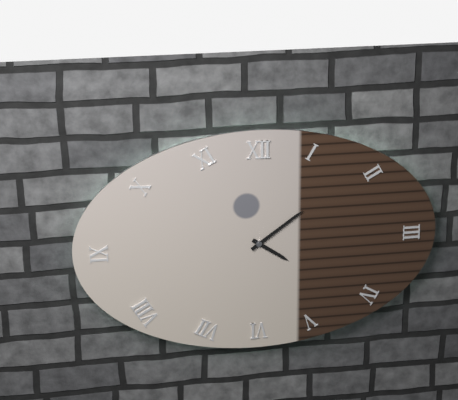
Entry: 4:09
